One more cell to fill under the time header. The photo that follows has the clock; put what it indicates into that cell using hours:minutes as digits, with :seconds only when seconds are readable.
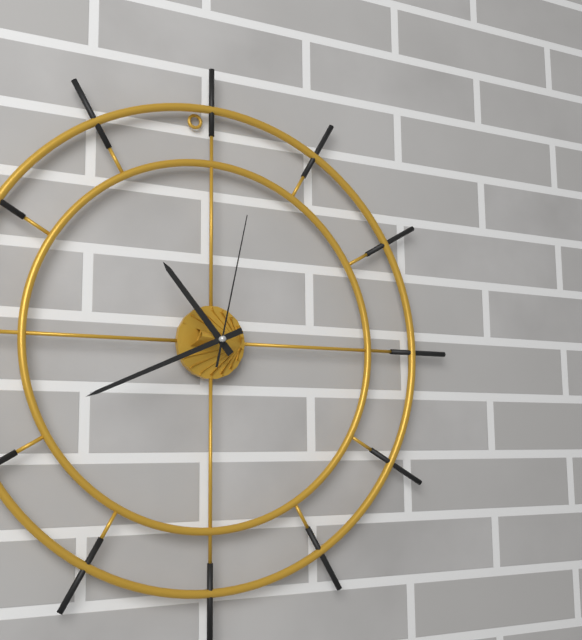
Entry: 10:41:02
